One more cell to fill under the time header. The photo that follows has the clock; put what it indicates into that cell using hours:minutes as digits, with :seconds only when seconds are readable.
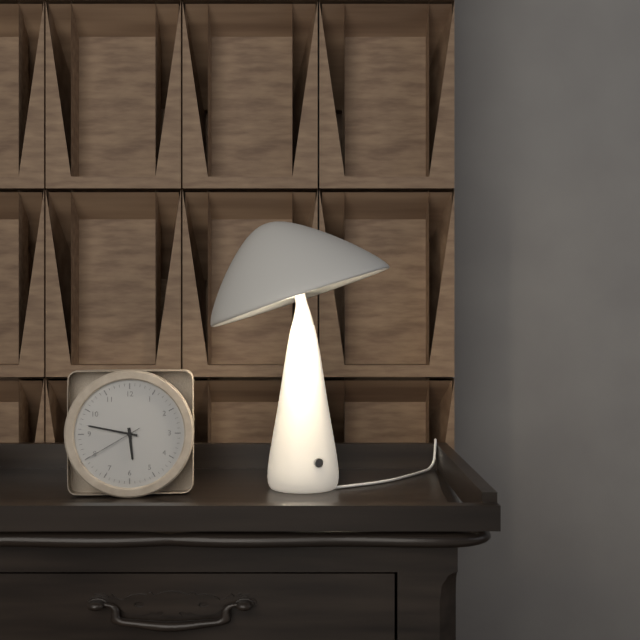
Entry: 5:47:40
